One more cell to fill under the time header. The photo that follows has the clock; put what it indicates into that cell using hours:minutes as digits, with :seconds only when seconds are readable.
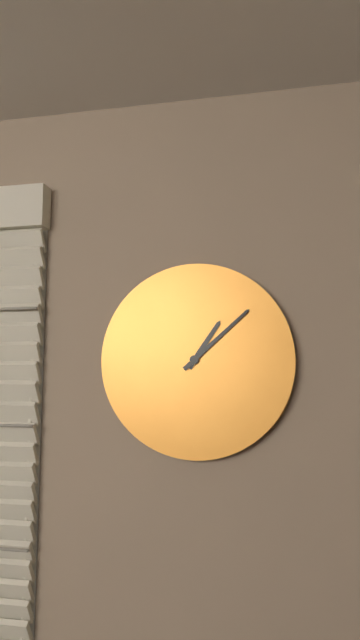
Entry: 1:08
